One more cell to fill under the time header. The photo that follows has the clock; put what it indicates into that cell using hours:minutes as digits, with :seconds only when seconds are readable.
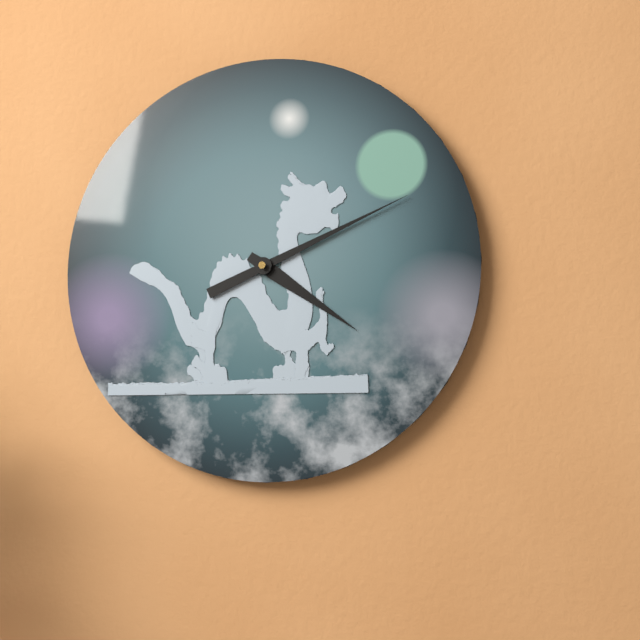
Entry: 4:11
